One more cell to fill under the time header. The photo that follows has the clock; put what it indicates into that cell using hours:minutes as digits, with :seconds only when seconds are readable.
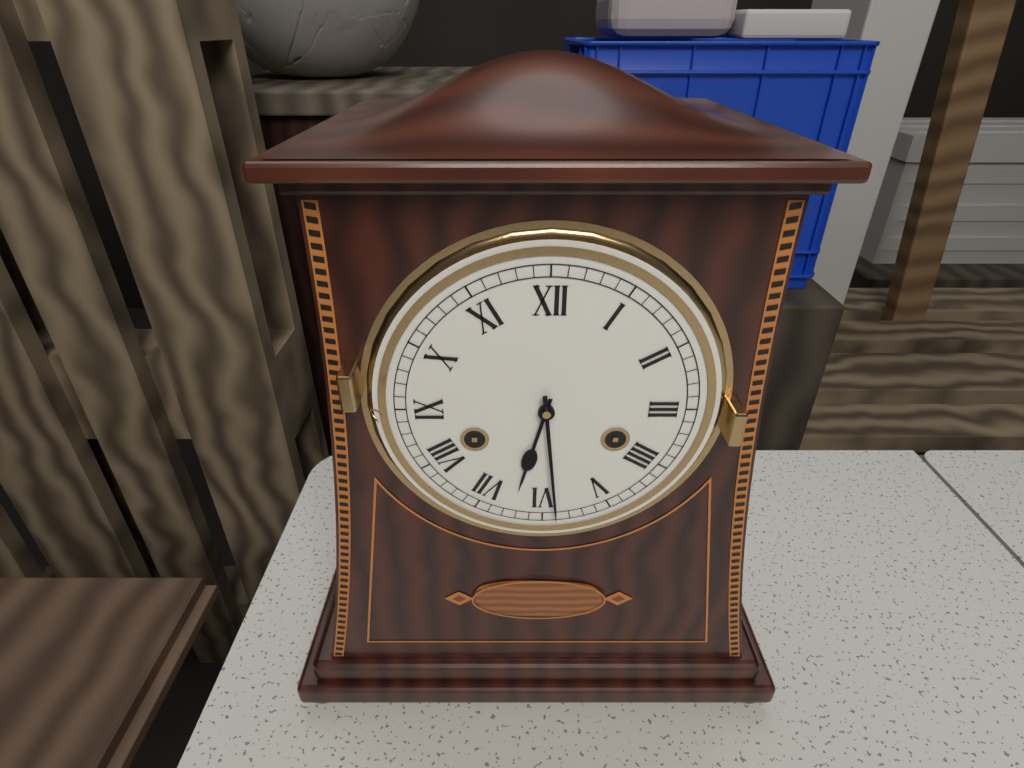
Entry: 6:29
